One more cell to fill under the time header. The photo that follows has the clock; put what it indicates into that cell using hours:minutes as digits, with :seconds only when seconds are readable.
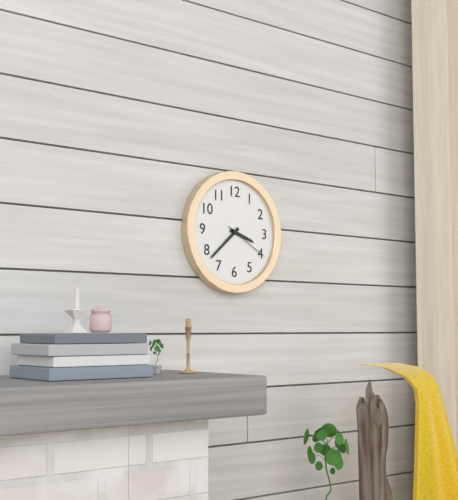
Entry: 3:38
